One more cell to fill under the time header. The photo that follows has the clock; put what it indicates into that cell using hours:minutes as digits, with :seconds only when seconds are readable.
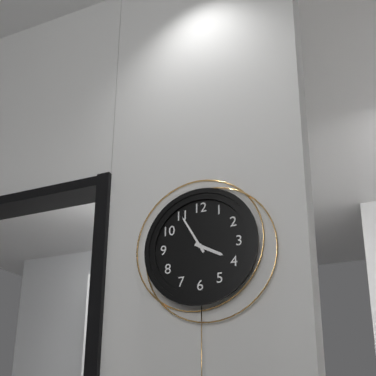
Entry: 3:55
